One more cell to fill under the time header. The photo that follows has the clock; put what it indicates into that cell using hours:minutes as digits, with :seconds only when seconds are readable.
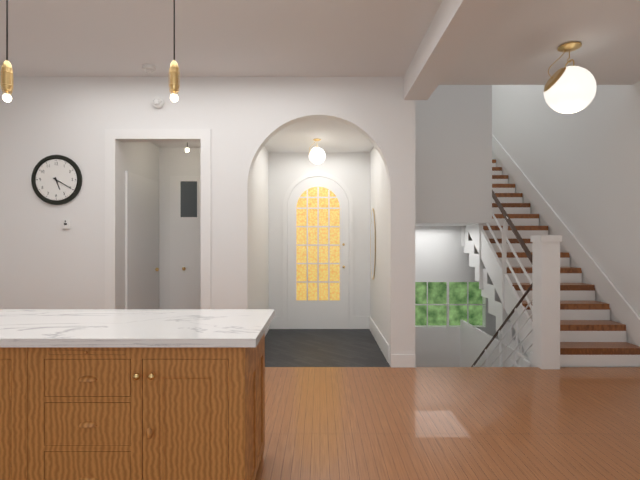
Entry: 5:20
